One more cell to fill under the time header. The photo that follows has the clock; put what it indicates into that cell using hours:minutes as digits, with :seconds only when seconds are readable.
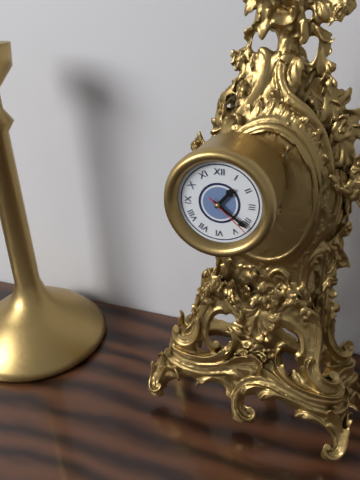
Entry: 1:21:22
